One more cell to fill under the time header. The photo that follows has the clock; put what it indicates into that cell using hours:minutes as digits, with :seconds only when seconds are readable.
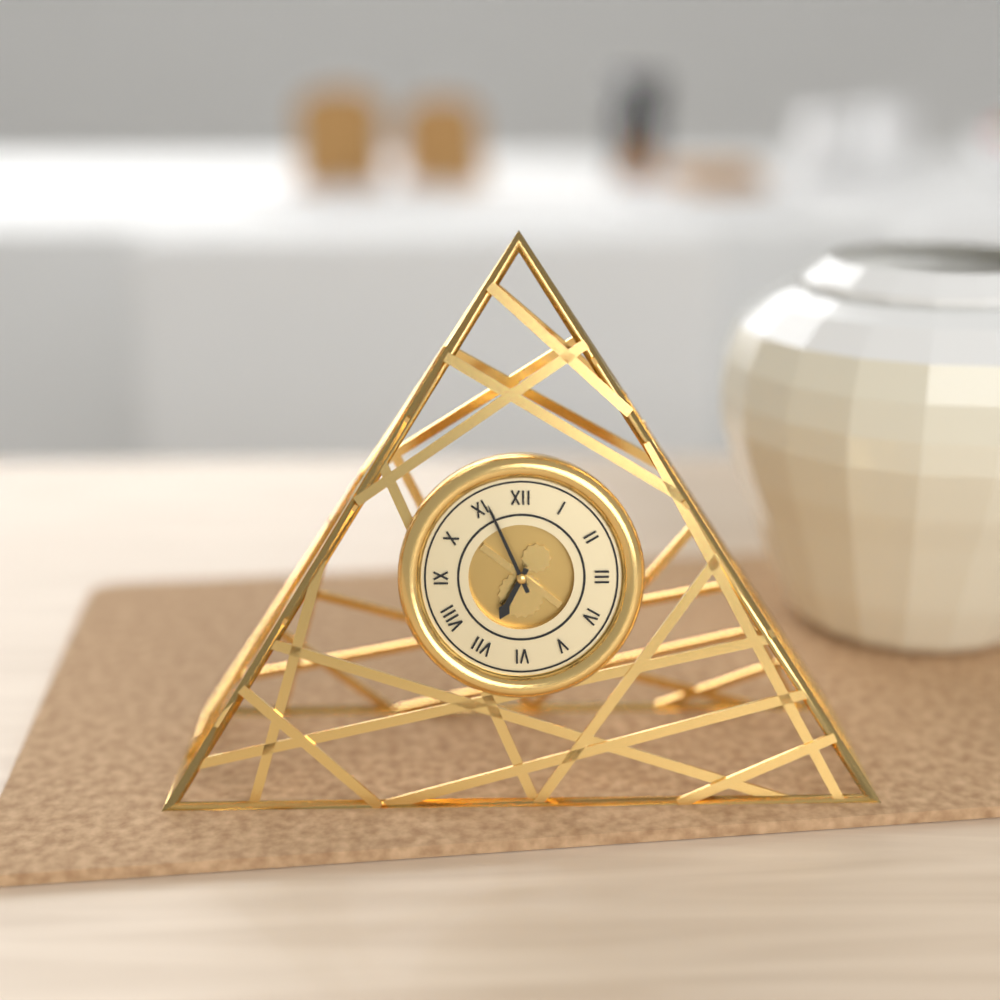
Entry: 6:56
